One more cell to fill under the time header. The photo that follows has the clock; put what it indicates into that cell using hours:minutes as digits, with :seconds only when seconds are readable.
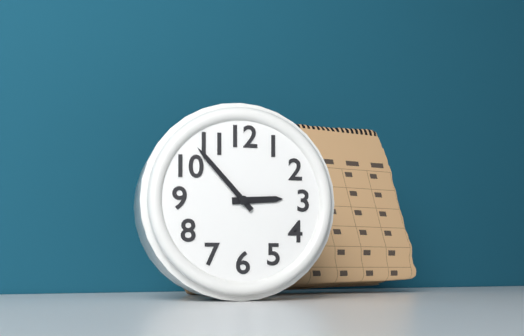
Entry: 2:53
